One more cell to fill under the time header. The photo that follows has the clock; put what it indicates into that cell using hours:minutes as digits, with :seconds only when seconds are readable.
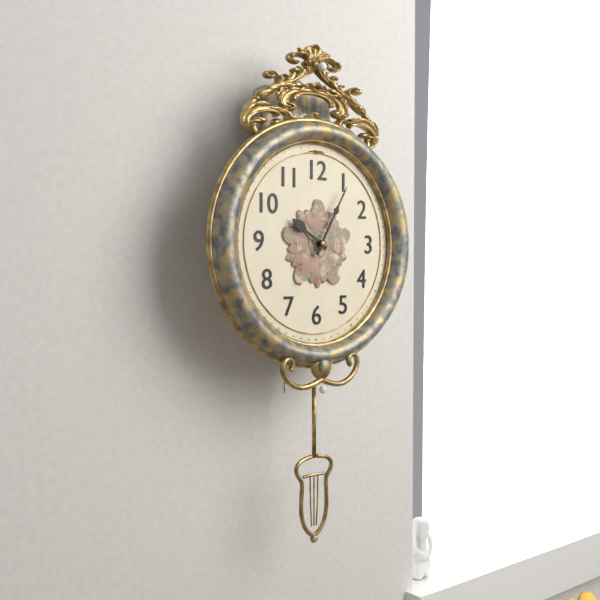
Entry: 10:05
